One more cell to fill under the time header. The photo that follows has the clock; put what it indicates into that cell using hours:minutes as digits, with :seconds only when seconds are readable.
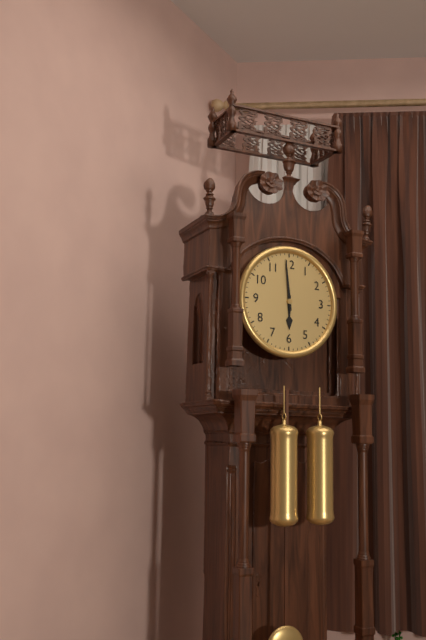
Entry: 5:59
